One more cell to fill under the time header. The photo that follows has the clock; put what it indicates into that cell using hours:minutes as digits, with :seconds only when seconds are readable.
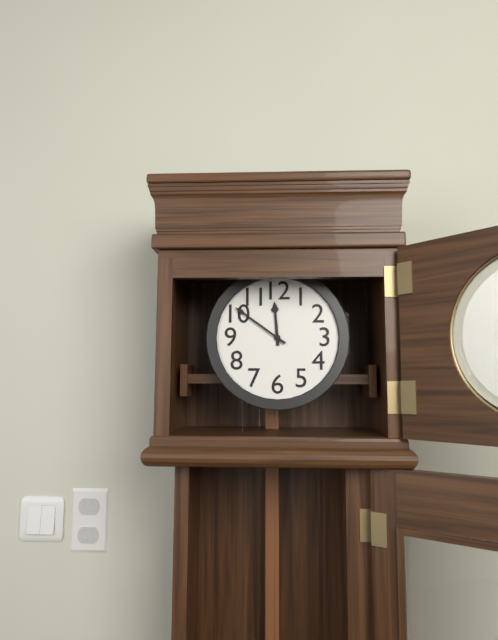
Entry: 11:51
